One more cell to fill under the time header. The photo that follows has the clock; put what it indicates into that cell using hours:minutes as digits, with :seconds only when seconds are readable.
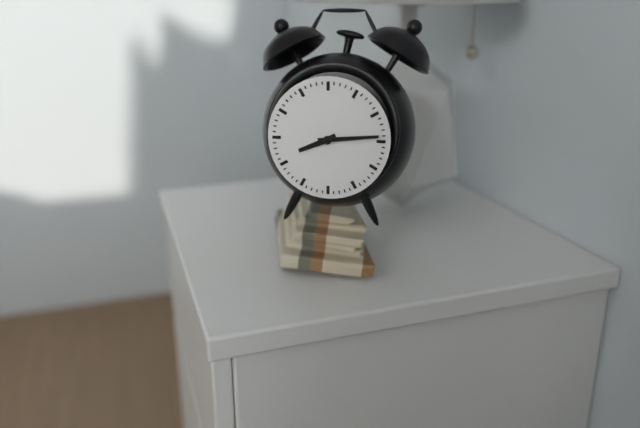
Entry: 8:14
